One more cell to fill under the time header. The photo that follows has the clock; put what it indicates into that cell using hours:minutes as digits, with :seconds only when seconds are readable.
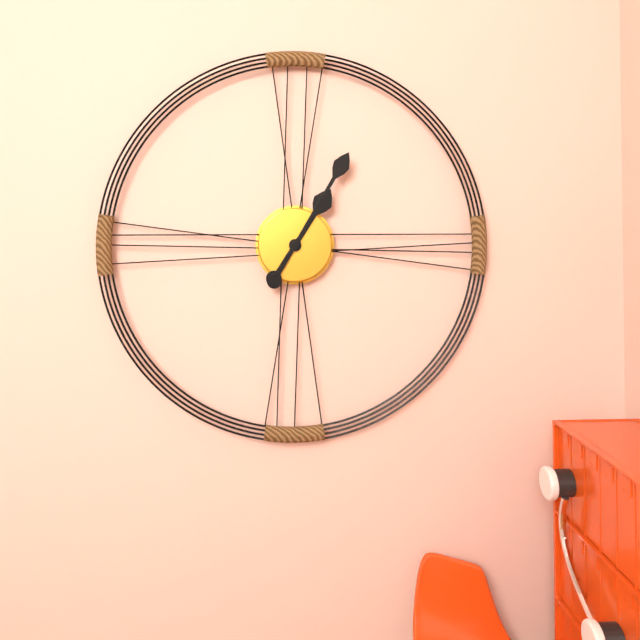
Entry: 1:05
